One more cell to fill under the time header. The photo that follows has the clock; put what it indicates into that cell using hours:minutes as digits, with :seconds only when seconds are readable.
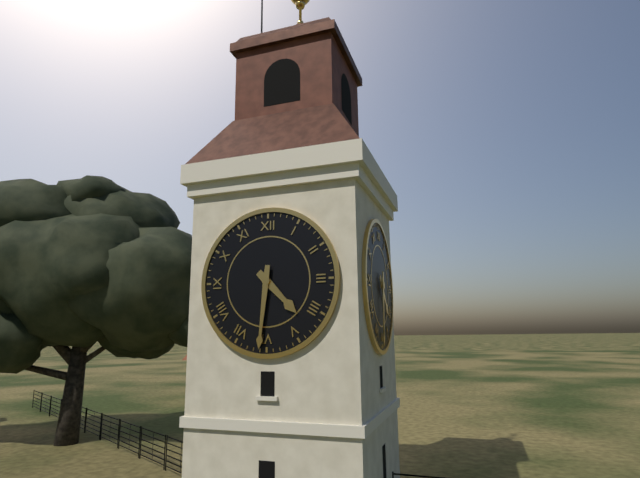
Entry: 4:31
